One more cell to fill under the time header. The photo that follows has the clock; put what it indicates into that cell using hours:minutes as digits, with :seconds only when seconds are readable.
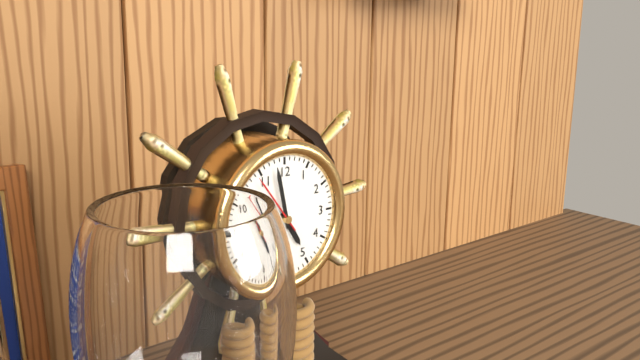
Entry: 4:58:54
